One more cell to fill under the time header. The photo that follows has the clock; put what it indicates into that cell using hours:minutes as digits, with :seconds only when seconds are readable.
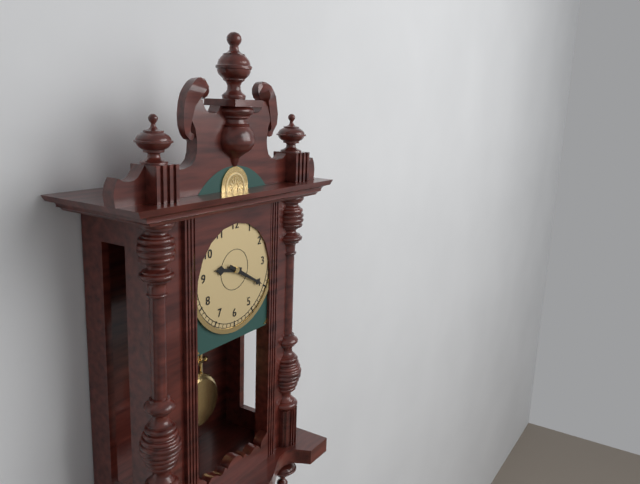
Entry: 9:20
